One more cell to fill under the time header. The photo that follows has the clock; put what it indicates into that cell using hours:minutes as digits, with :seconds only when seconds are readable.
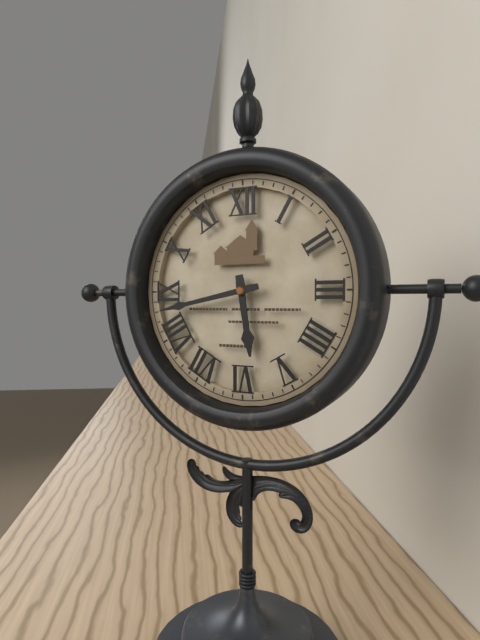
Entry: 5:43
